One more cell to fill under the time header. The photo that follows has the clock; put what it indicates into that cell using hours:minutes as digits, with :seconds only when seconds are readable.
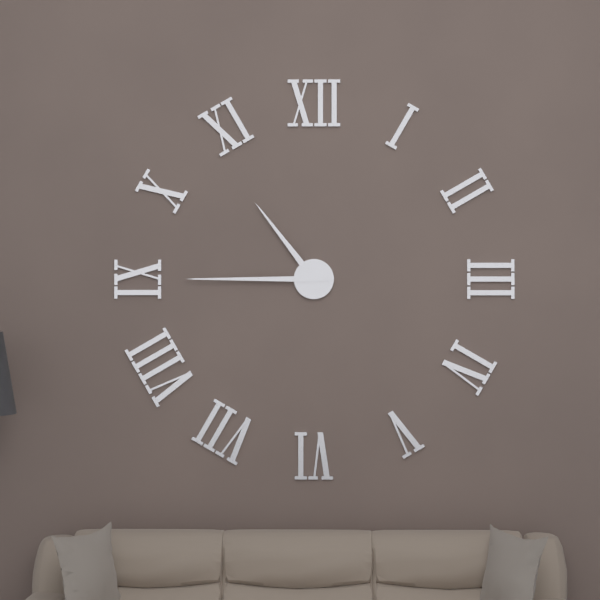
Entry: 10:45
